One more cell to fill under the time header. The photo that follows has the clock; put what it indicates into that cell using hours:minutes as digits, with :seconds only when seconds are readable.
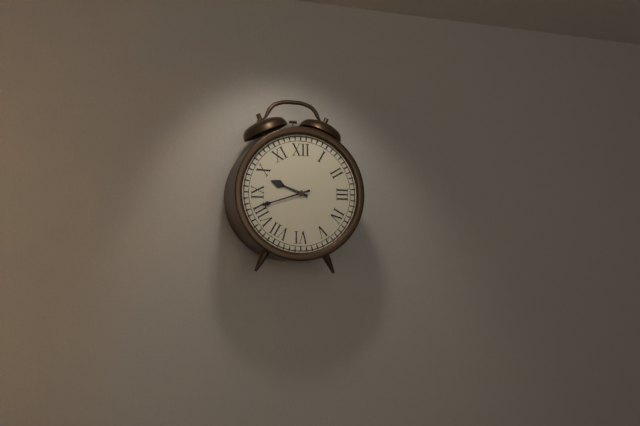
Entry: 9:42
